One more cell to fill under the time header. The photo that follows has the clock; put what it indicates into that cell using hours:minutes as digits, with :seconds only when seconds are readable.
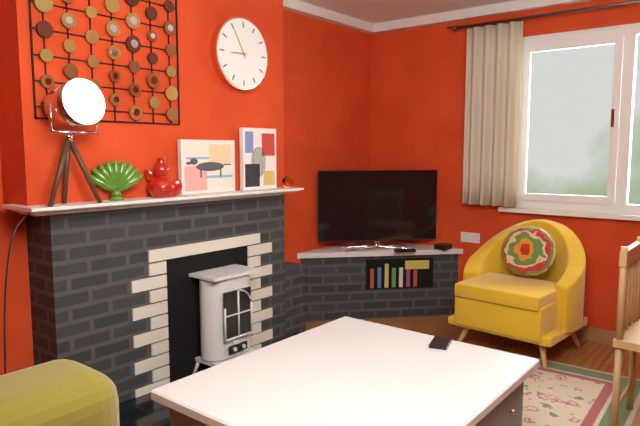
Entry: 8:55
